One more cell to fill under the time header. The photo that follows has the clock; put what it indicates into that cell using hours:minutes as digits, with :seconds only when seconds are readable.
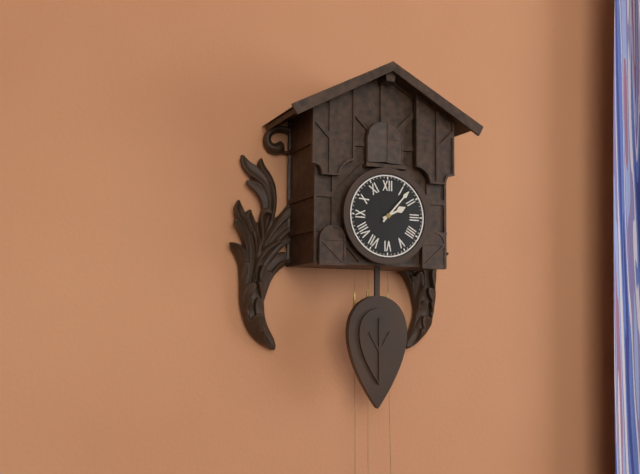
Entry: 2:07
